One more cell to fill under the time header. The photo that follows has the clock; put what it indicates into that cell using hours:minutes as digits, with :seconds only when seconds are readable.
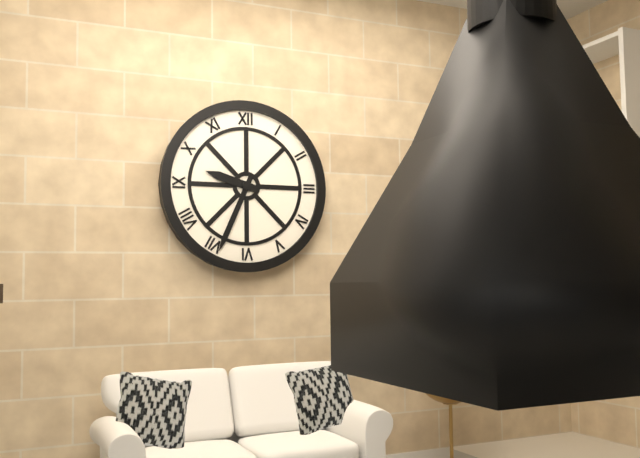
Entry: 9:34
